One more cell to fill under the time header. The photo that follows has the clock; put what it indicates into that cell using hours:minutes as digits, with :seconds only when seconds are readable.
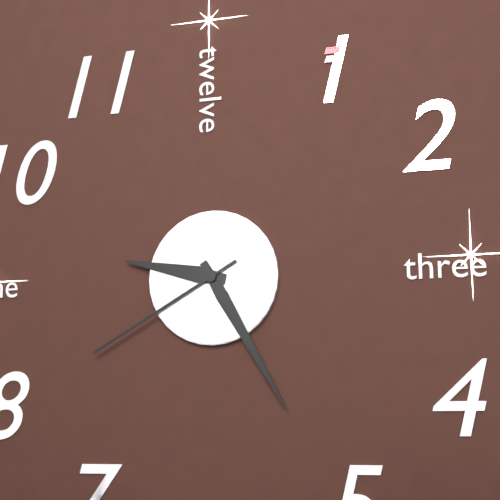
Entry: 9:25:40
